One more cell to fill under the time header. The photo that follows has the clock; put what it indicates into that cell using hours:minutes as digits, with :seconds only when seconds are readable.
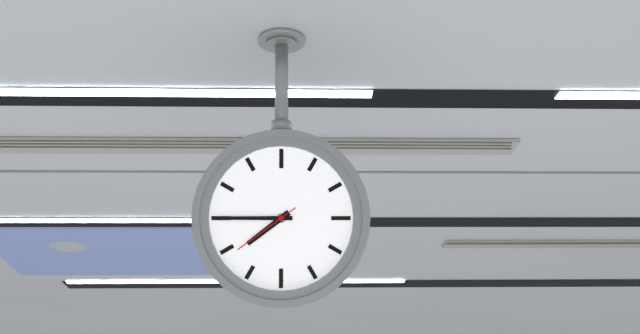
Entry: 7:45:39
